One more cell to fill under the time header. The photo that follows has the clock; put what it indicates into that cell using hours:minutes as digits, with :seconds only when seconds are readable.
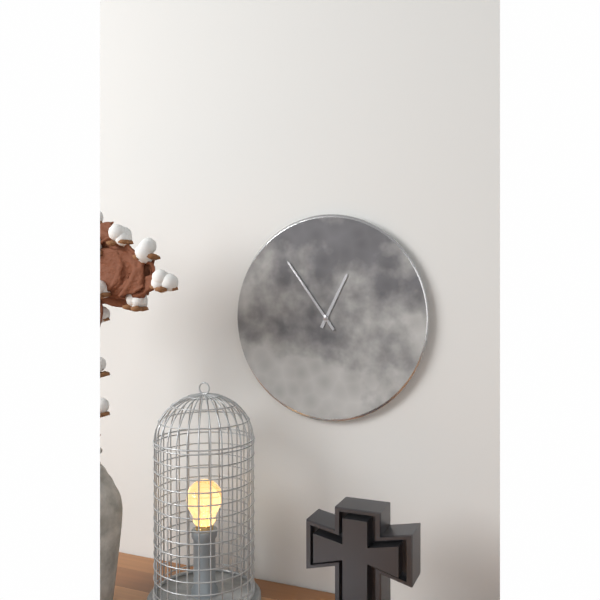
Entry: 12:54
